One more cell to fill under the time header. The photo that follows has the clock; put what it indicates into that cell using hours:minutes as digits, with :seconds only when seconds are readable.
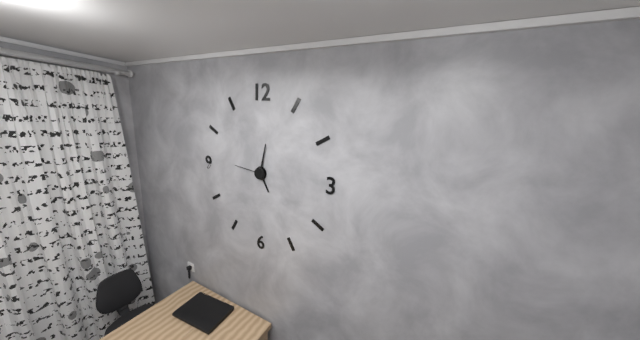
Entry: 5:02
